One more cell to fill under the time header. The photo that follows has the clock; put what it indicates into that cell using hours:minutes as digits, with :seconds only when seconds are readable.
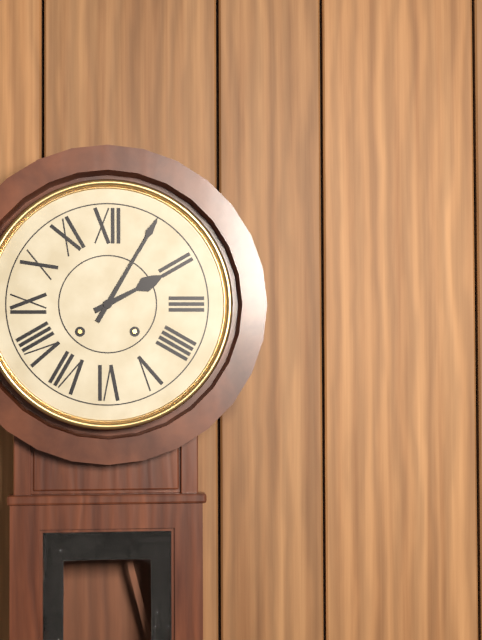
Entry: 2:05
